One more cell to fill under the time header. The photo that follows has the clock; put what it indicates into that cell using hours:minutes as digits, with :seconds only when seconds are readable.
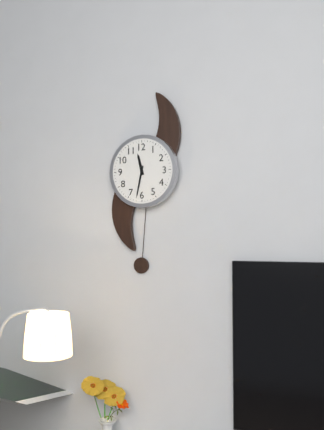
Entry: 11:32
